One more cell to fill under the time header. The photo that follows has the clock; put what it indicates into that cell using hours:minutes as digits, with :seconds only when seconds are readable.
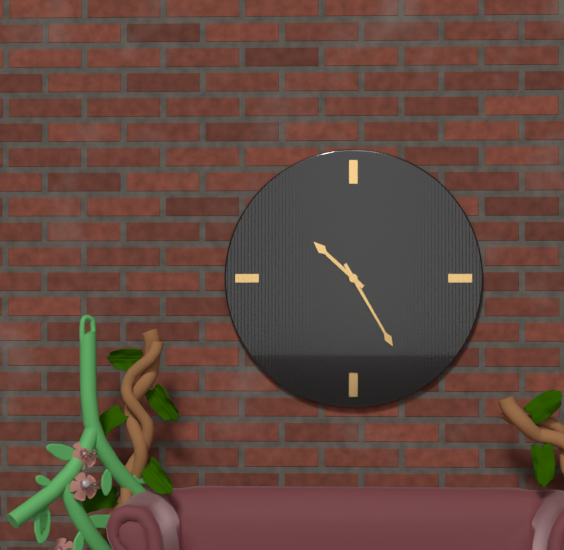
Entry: 10:25
